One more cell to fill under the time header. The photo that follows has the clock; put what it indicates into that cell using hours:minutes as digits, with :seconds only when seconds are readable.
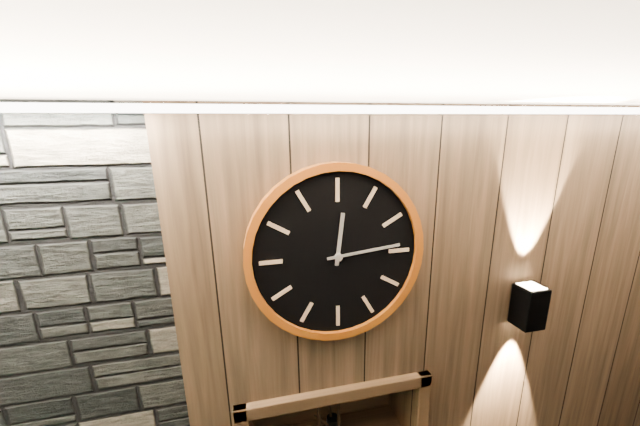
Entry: 12:14
